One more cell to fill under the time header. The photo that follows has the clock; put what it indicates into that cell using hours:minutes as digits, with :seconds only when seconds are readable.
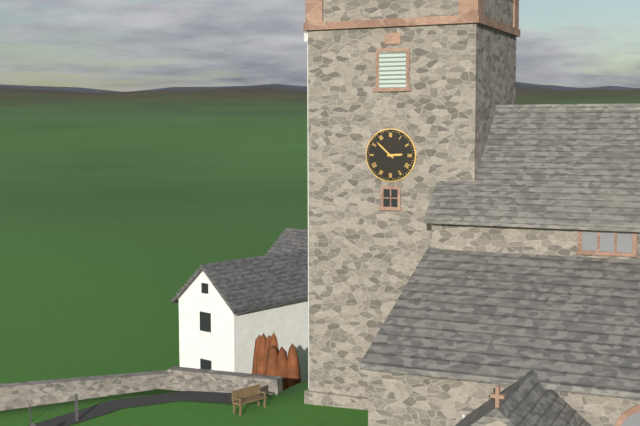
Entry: 2:52
